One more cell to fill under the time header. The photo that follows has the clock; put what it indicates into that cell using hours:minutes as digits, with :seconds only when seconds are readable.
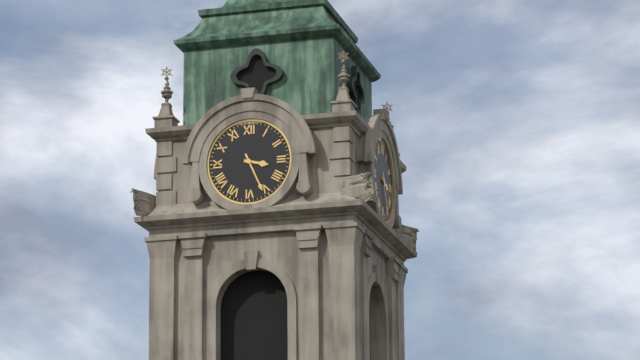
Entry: 3:26
